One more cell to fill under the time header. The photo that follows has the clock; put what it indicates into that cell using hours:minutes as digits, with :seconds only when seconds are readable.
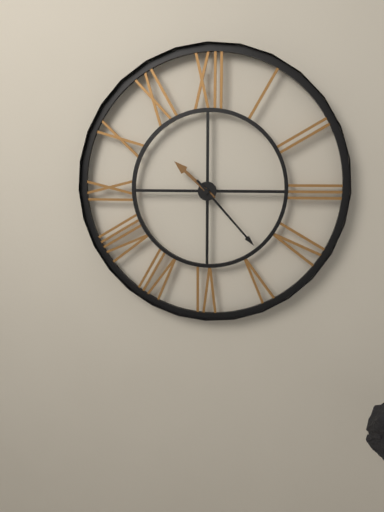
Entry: 10:23
